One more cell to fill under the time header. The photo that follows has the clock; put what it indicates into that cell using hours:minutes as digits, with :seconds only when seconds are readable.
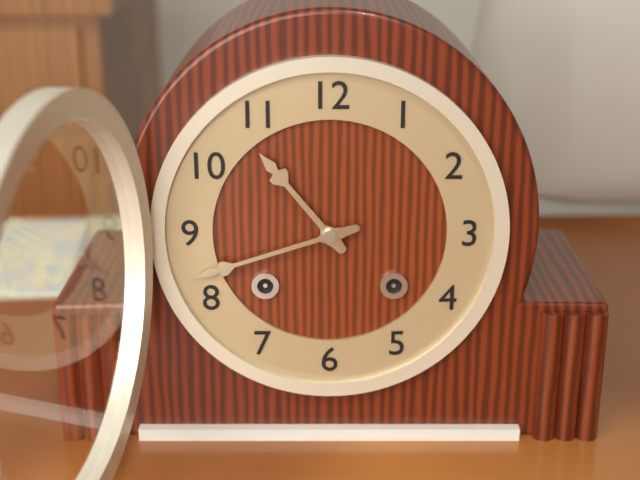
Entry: 10:42
